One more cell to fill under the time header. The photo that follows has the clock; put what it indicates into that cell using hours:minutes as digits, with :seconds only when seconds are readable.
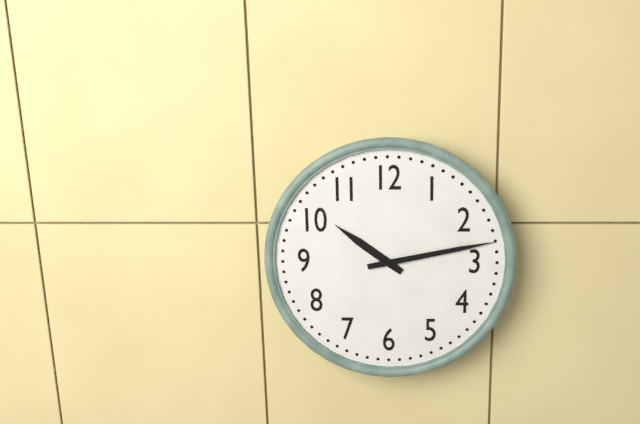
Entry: 10:13
